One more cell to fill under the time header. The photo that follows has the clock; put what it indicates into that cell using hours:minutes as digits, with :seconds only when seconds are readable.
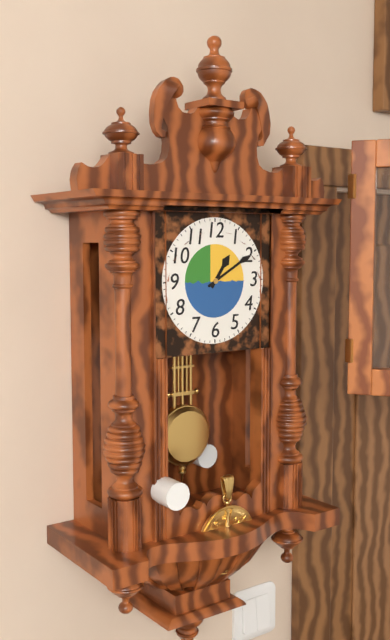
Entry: 1:10
